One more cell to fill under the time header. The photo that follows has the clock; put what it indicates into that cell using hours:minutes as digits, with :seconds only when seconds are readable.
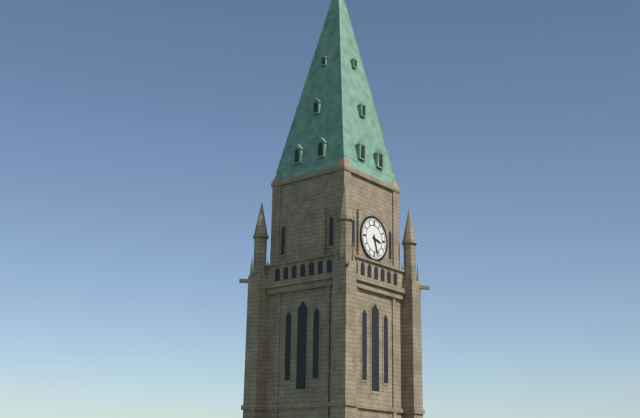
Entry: 3:27
